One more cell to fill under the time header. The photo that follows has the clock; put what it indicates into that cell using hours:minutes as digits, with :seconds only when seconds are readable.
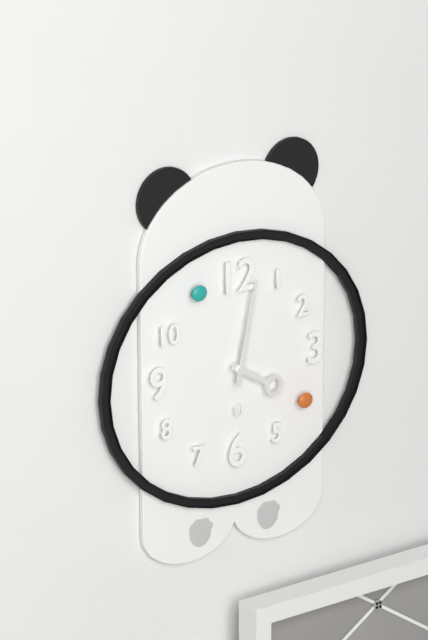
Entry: 4:02
